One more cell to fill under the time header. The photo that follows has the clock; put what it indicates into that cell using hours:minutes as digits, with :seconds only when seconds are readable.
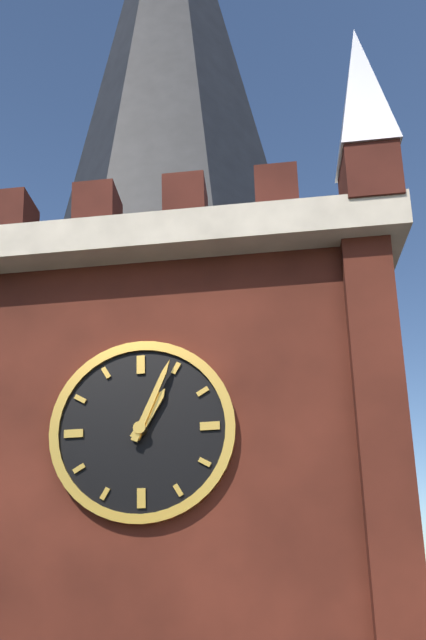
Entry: 1:04
